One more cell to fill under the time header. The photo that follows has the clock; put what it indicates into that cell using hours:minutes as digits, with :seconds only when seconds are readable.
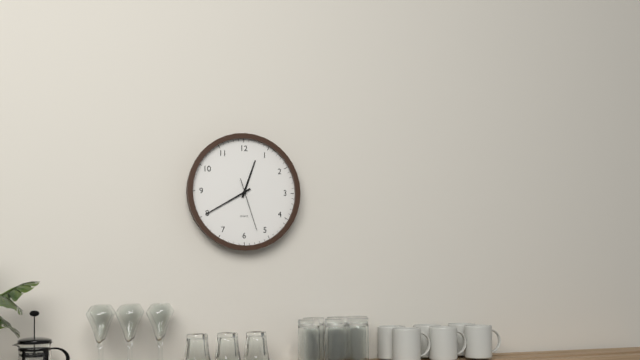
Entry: 12:40
